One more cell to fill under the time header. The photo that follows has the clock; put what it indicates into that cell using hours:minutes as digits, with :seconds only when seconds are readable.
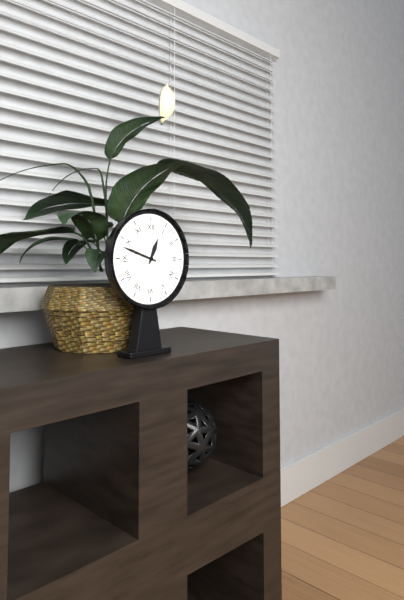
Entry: 12:48
